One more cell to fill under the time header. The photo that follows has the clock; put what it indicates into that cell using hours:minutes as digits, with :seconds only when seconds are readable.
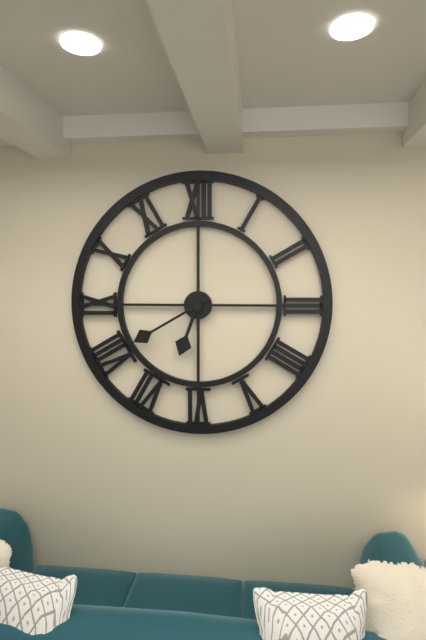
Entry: 6:40
